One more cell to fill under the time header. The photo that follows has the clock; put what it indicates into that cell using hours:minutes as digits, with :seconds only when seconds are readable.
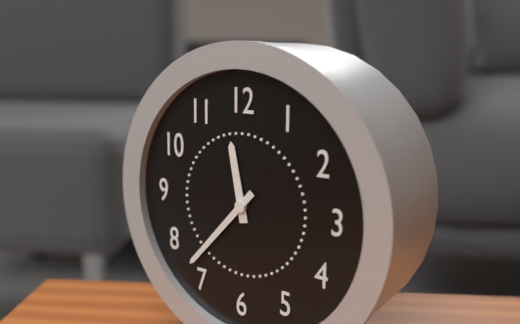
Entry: 11:37
